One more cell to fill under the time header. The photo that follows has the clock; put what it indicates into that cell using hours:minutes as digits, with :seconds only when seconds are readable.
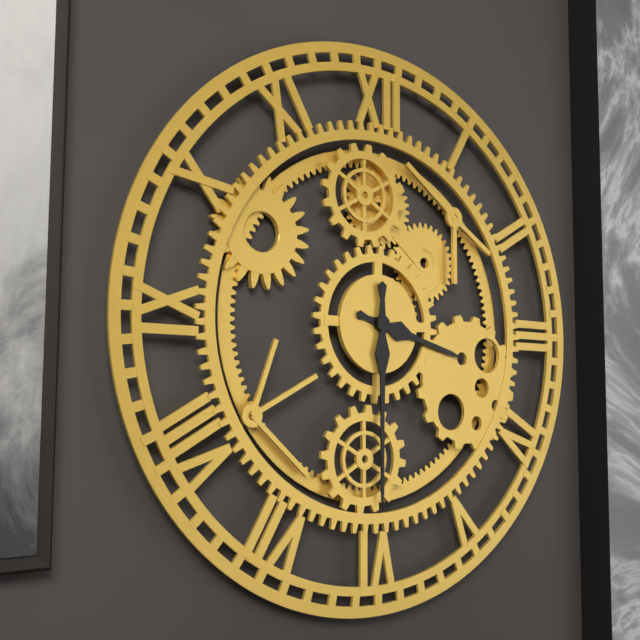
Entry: 3:30
